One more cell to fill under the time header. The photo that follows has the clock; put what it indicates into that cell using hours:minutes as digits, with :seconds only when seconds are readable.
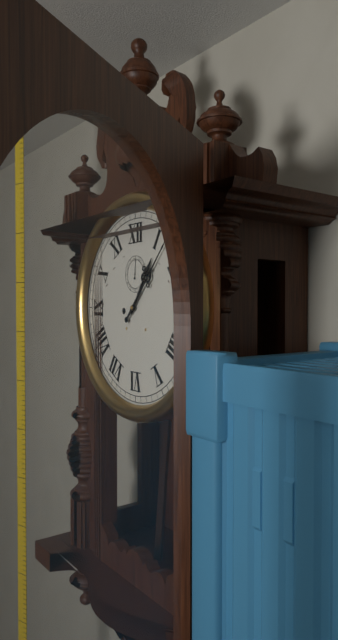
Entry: 1:07
